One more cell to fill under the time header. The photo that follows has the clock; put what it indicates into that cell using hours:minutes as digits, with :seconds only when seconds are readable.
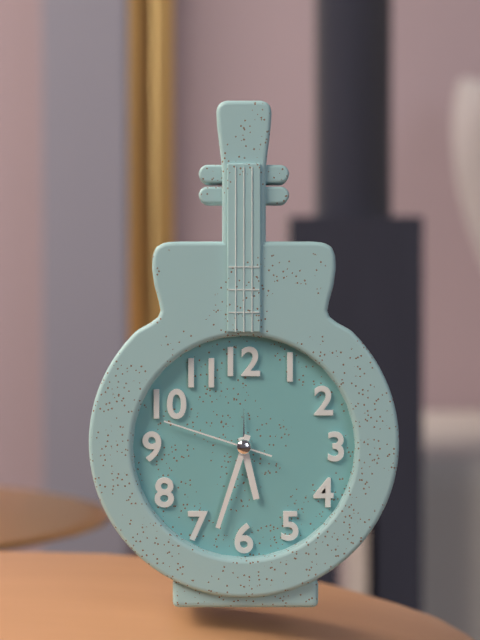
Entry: 5:33:48
